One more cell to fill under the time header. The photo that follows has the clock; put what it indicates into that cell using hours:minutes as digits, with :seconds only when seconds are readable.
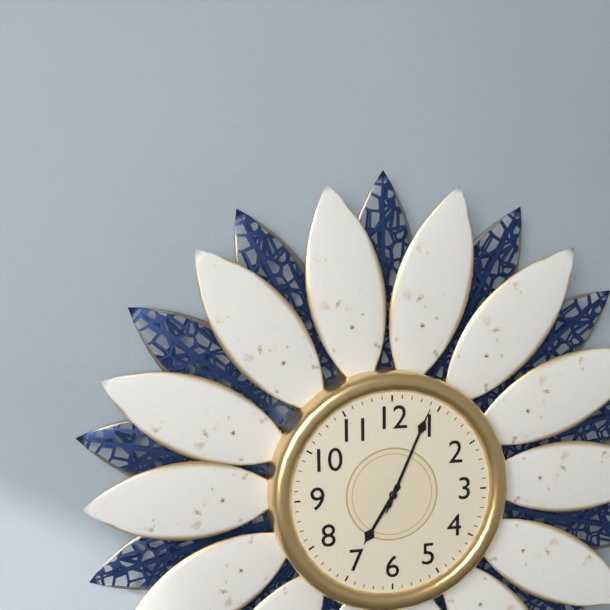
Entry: 7:04:04
